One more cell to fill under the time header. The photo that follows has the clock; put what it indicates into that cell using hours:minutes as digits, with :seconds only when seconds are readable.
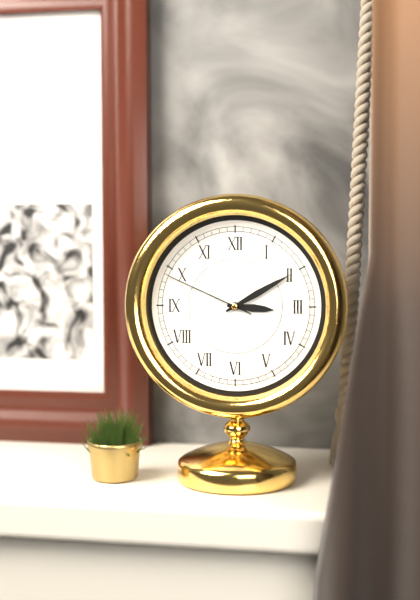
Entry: 3:10:49
